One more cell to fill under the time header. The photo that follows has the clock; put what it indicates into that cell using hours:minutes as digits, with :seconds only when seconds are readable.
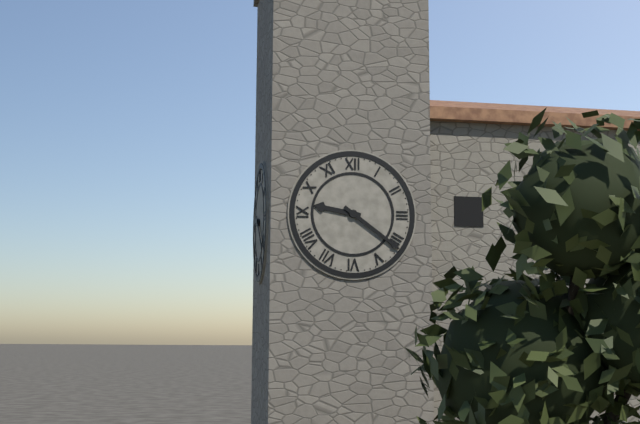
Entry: 9:21
